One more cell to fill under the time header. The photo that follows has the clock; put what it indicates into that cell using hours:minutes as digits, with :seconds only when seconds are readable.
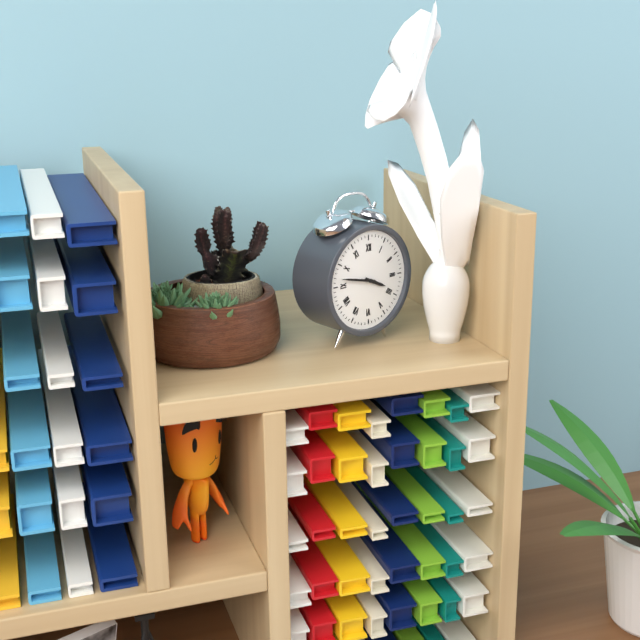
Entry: 3:47
